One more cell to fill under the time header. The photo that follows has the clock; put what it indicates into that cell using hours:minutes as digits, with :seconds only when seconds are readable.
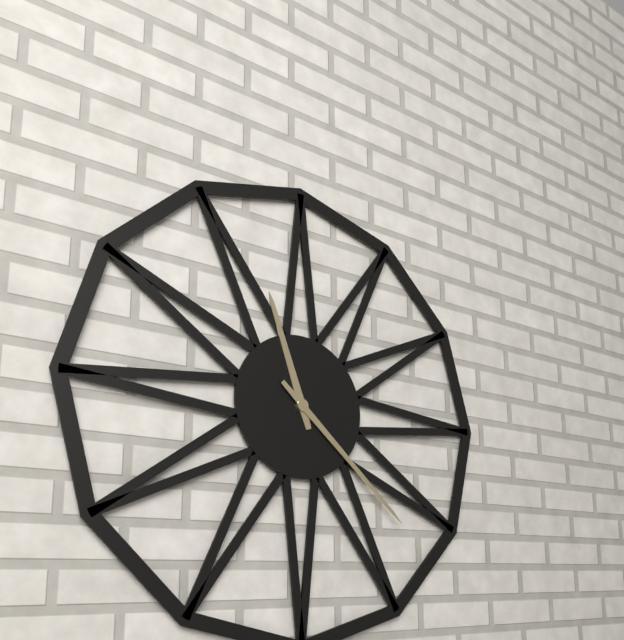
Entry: 11:22
